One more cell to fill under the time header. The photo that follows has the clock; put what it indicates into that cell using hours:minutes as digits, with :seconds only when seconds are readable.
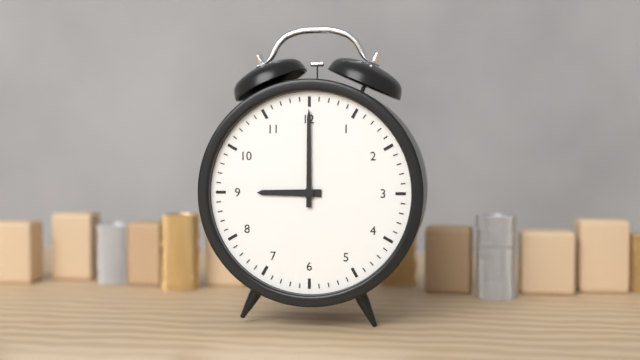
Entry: 9:00
